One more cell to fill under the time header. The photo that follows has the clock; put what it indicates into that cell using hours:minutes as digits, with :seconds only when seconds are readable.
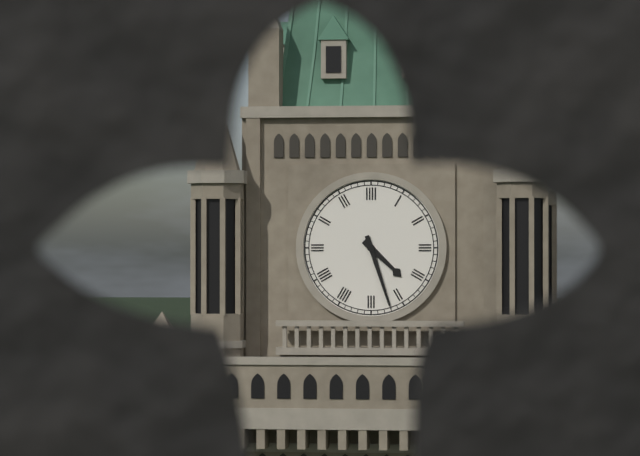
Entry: 4:27
